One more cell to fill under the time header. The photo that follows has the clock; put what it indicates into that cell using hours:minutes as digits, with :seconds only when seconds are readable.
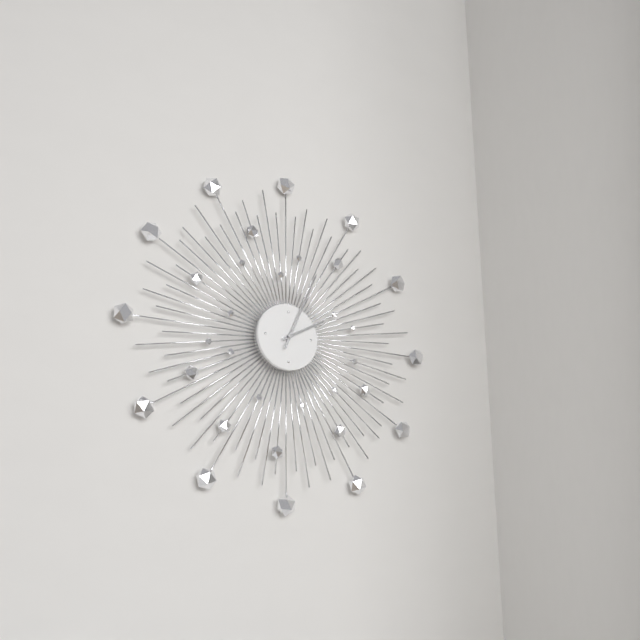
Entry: 2:04
